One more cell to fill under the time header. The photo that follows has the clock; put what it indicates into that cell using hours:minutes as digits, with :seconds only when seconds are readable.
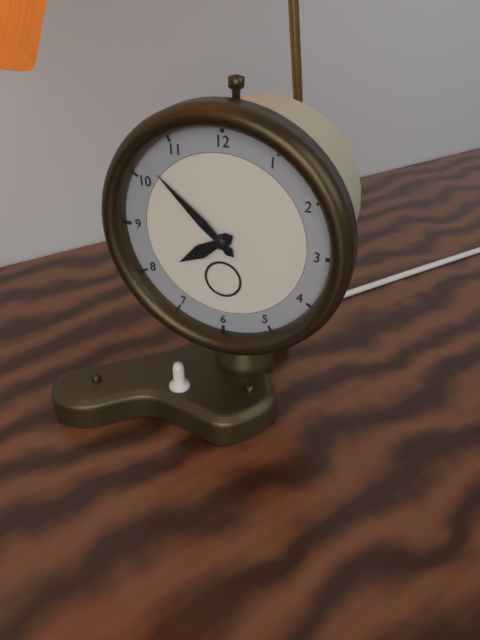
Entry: 7:52
